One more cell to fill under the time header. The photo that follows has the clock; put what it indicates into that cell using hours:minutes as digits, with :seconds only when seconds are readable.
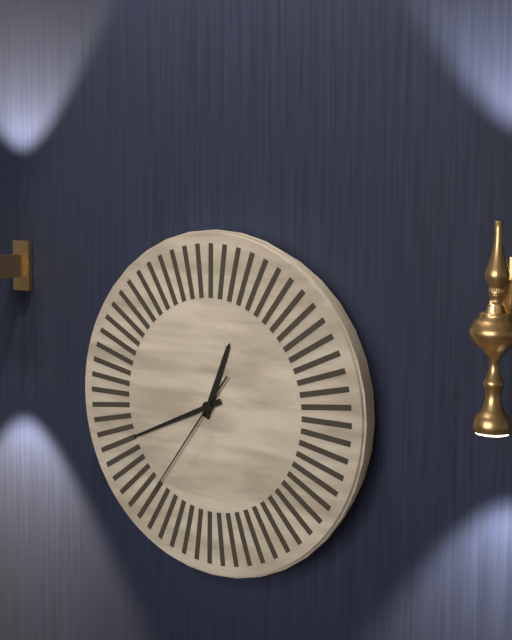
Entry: 12:41:36
